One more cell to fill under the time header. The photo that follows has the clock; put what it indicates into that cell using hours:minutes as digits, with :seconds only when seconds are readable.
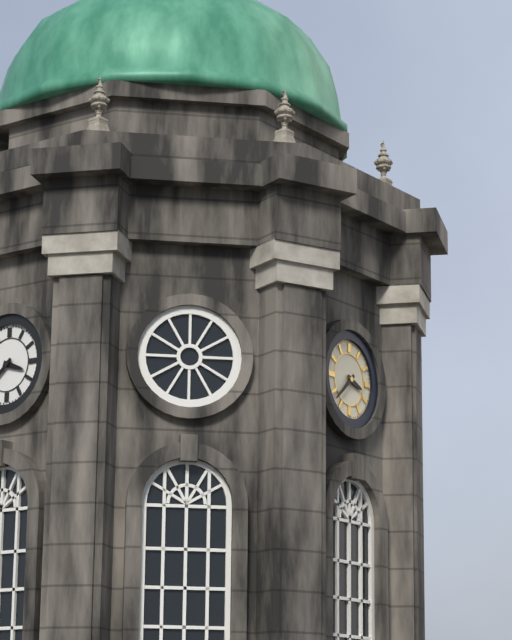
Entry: 3:38
